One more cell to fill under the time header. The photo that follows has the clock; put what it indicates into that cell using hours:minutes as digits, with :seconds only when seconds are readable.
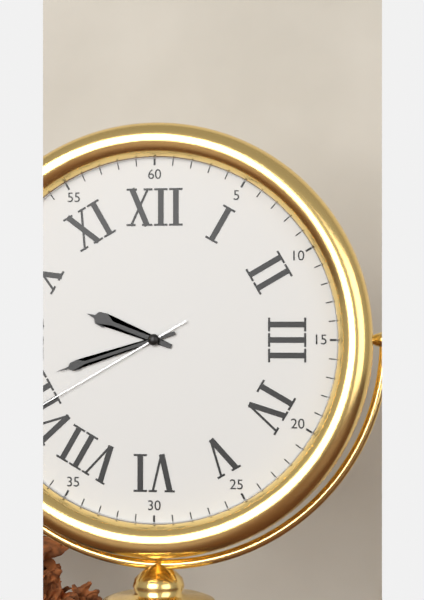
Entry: 9:42:40
